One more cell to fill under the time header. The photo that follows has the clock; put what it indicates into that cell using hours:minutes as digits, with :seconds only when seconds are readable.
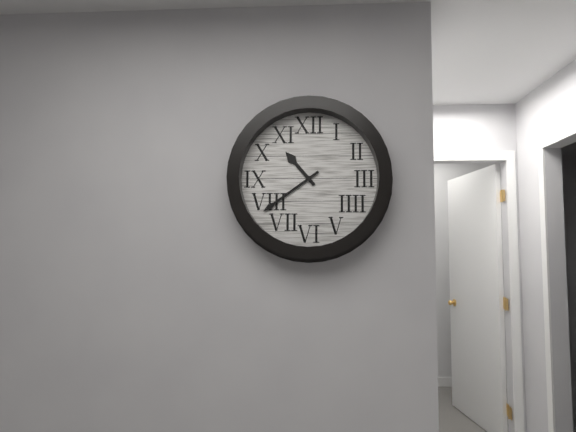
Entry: 10:39
